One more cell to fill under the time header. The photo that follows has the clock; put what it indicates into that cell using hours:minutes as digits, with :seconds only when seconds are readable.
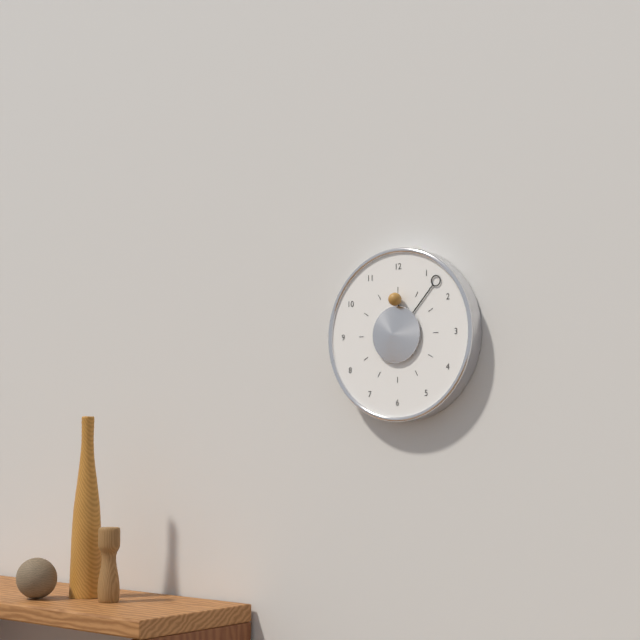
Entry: 12:07
